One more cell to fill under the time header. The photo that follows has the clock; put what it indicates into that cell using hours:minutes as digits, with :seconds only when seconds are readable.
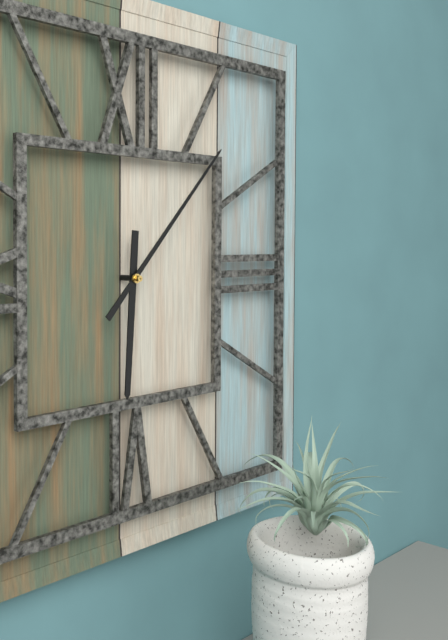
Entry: 6:07
